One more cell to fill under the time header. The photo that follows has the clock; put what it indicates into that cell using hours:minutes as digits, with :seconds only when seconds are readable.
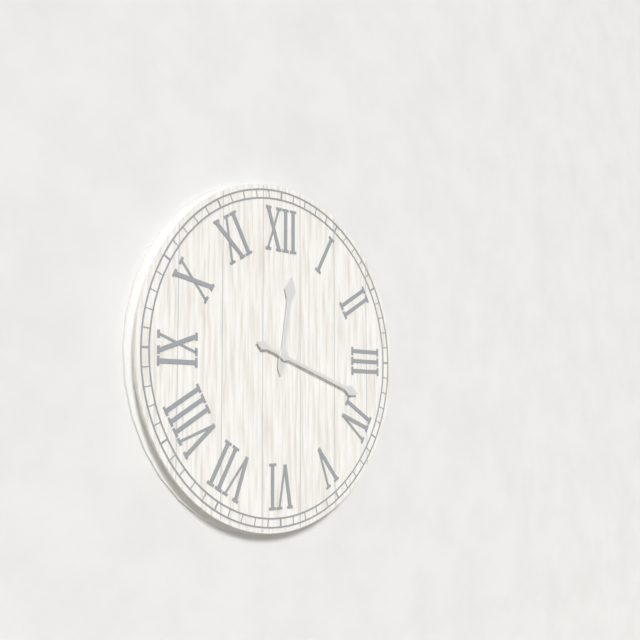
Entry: 12:18
